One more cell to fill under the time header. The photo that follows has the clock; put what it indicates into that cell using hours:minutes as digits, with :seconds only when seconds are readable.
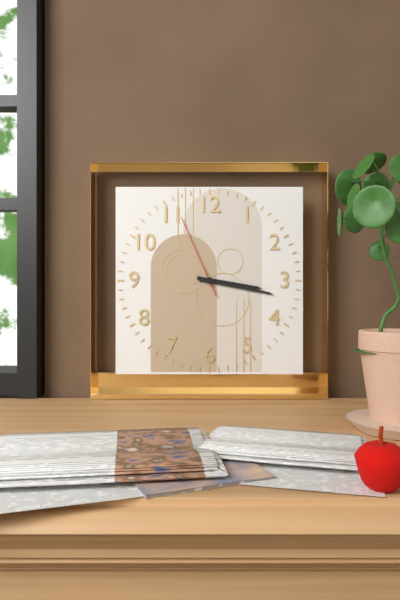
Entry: 3:17:56
